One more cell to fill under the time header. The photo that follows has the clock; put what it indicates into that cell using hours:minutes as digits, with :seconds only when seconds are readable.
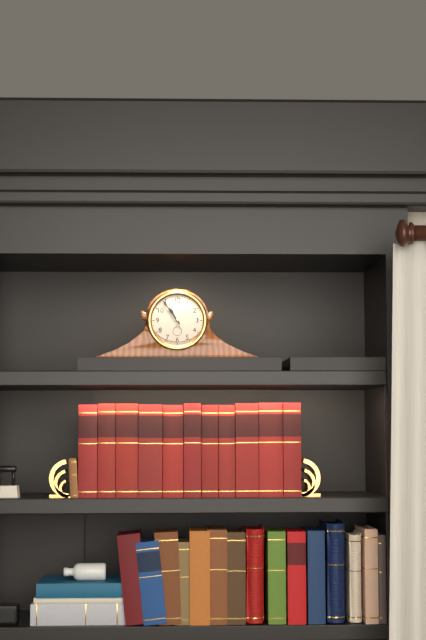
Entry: 10:54
